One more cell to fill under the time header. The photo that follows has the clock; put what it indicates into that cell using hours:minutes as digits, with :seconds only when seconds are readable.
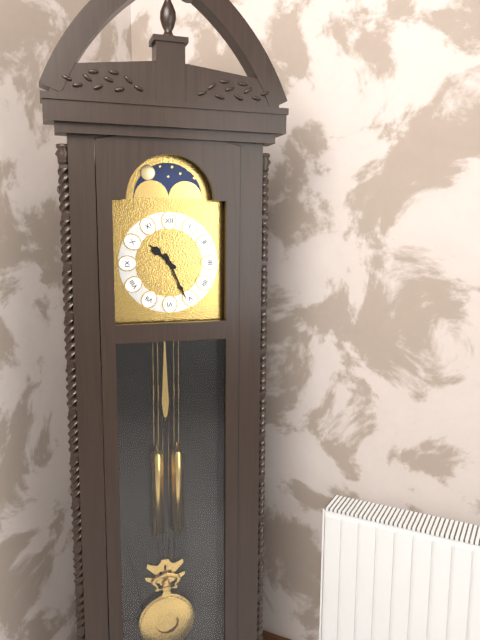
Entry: 10:26
